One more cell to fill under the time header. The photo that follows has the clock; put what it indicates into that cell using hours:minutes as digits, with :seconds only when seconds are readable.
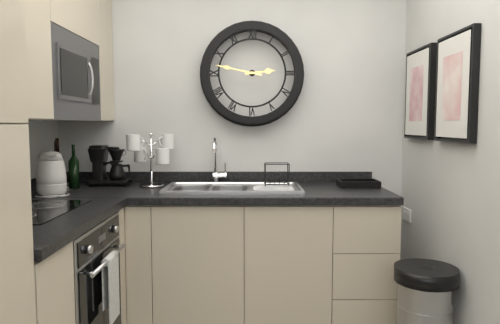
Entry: 2:47
